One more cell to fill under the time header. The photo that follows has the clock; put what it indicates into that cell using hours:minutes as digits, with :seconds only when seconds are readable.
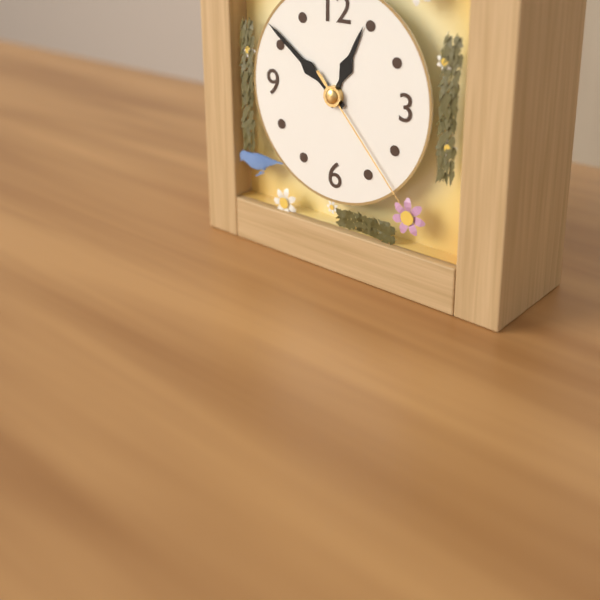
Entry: 12:51:23
